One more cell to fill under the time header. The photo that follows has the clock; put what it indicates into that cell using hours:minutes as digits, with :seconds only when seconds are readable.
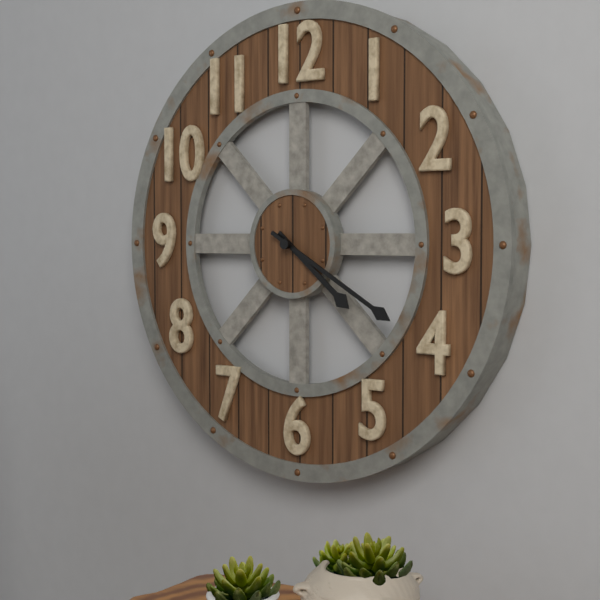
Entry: 4:20
